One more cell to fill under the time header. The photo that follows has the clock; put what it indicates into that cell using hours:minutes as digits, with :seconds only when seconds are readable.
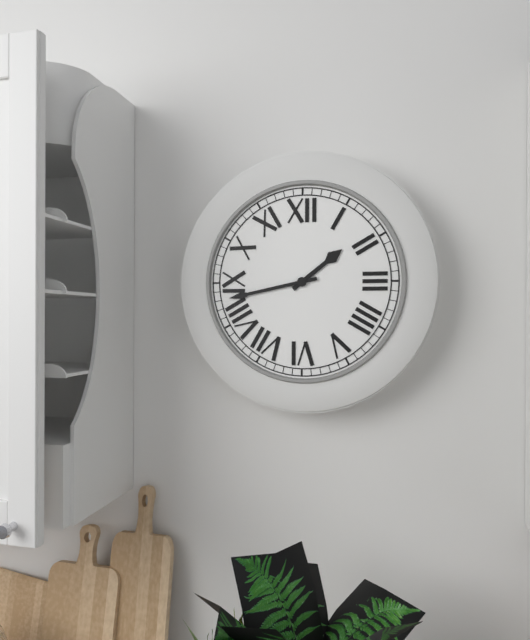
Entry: 1:43
